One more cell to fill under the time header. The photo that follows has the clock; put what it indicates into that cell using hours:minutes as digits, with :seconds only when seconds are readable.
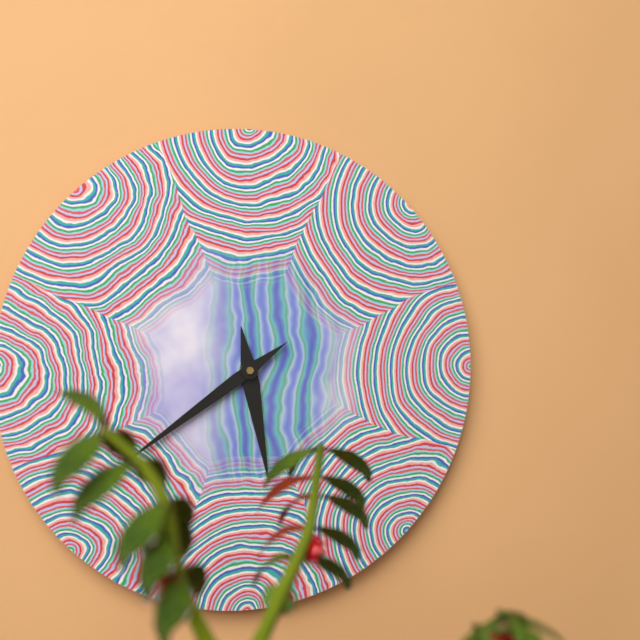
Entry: 5:39
